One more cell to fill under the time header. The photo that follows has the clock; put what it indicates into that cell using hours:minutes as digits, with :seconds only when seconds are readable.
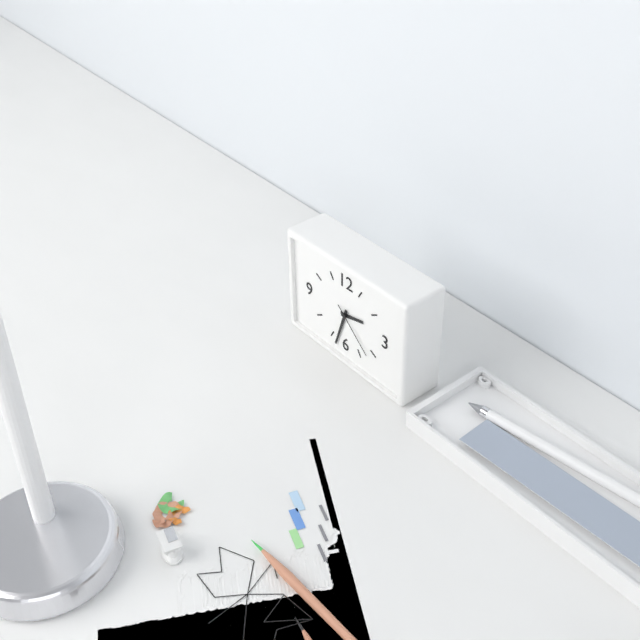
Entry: 2:33:22
